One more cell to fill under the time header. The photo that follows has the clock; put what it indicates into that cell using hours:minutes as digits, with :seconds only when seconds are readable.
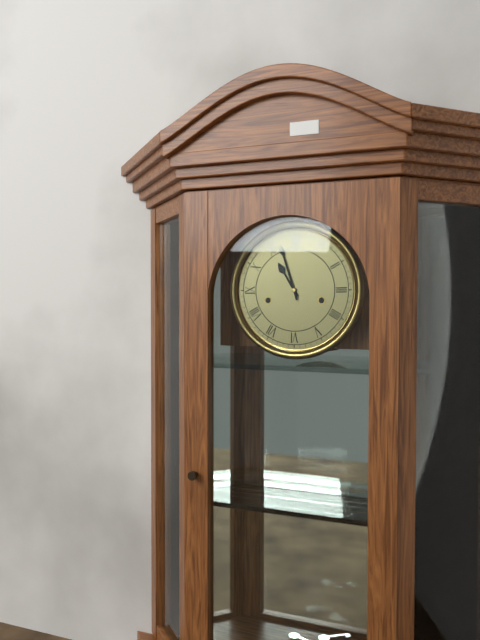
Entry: 10:57
